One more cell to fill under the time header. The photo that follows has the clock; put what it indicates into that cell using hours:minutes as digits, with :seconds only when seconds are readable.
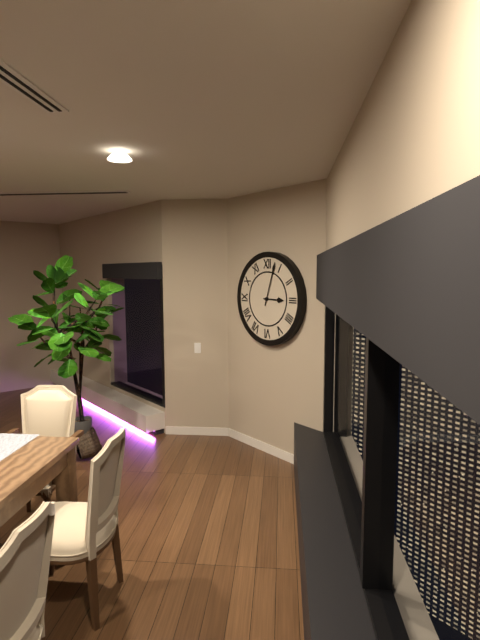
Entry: 3:03
